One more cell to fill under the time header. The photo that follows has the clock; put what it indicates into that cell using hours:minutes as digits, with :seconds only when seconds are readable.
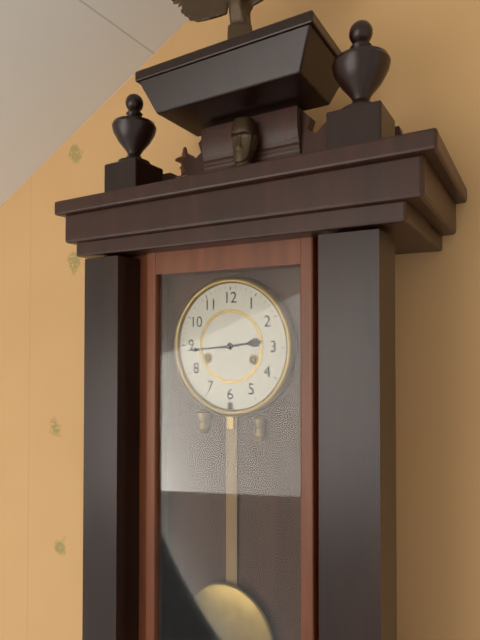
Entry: 2:44
